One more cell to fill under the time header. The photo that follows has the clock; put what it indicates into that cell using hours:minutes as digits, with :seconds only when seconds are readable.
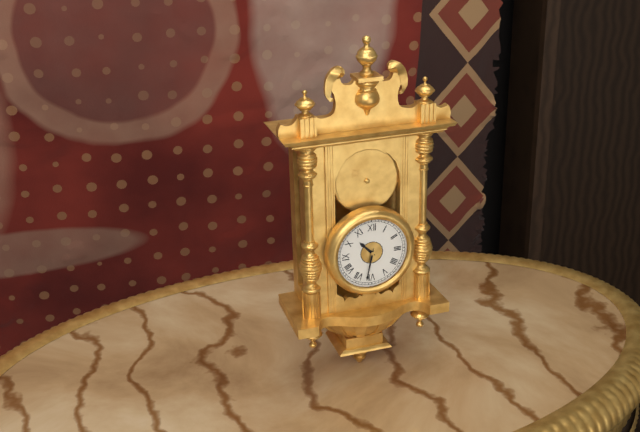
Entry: 10:32
